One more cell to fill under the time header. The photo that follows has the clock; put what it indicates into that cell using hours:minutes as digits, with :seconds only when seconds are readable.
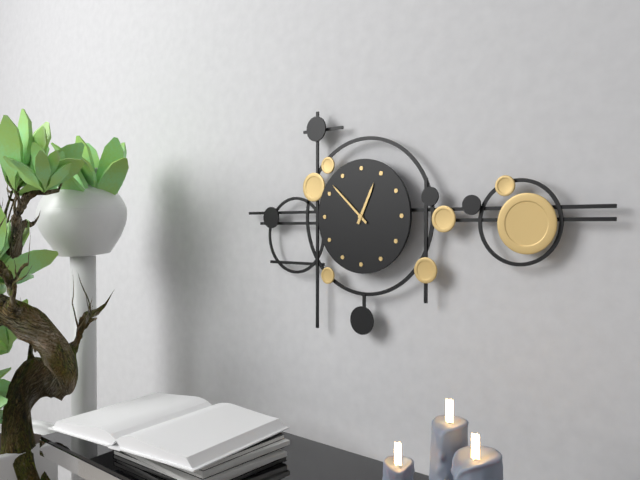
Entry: 12:52
